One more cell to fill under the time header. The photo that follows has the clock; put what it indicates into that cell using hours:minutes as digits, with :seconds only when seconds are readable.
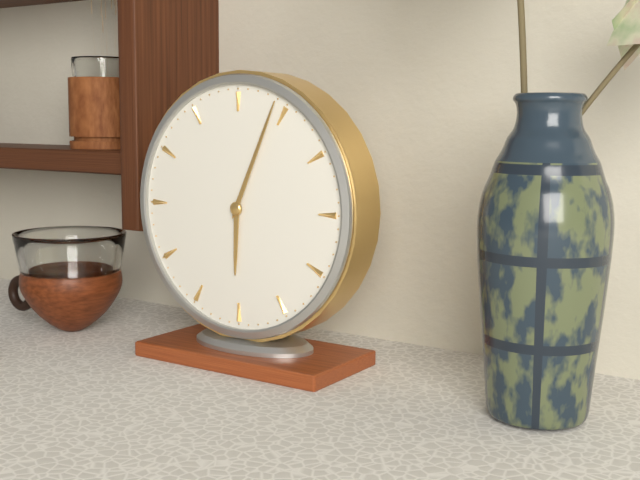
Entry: 6:04
